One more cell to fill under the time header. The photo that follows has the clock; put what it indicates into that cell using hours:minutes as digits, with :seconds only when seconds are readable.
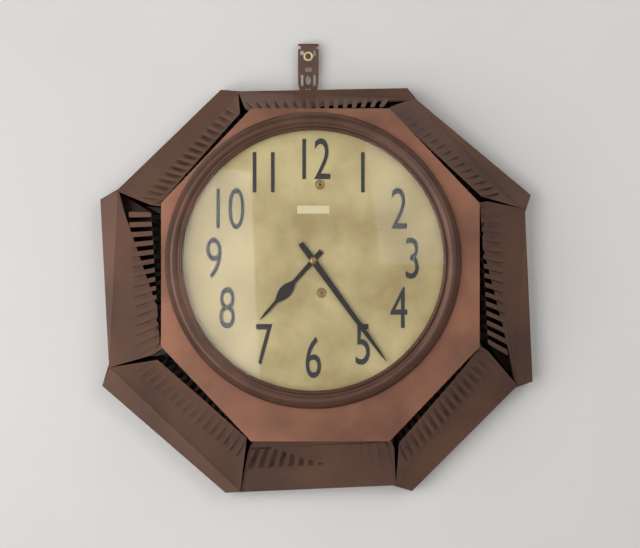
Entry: 7:24
